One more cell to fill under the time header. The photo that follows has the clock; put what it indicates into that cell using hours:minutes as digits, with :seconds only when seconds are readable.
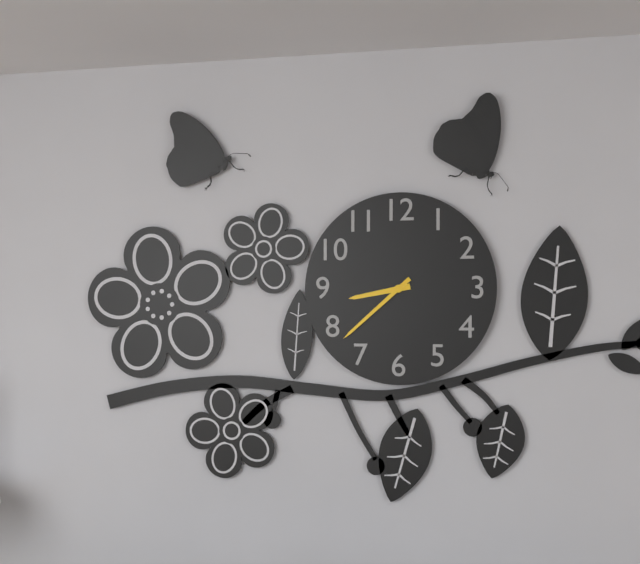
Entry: 8:38
